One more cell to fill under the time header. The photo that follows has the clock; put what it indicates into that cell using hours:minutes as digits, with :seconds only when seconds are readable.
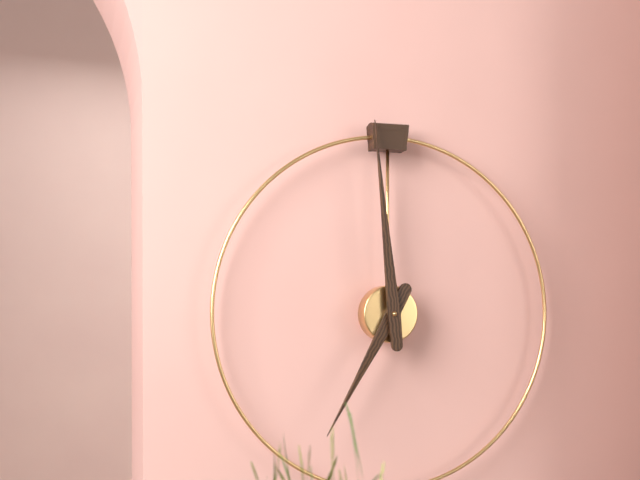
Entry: 6:59
